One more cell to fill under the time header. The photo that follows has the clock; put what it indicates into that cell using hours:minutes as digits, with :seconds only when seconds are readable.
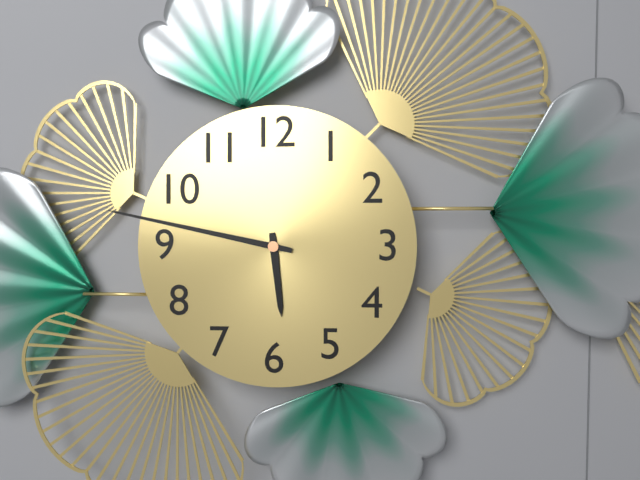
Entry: 5:47
